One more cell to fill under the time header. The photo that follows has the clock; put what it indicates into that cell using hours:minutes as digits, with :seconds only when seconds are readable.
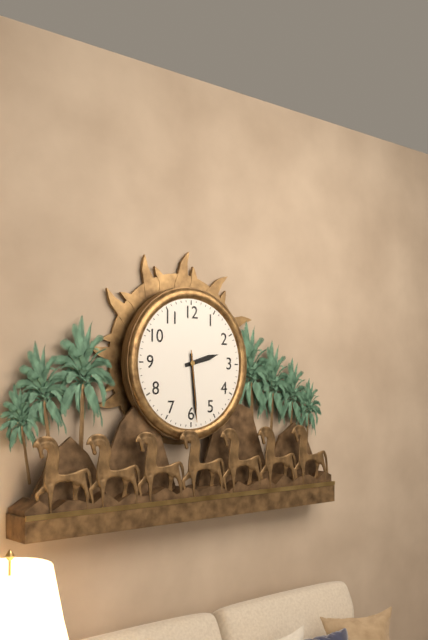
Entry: 2:29:29
